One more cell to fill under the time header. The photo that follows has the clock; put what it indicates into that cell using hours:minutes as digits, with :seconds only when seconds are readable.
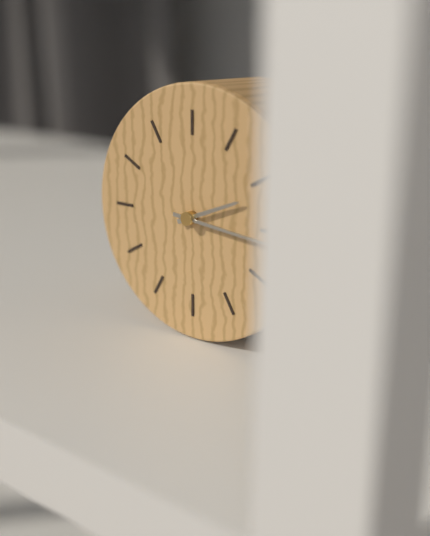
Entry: 2:16
